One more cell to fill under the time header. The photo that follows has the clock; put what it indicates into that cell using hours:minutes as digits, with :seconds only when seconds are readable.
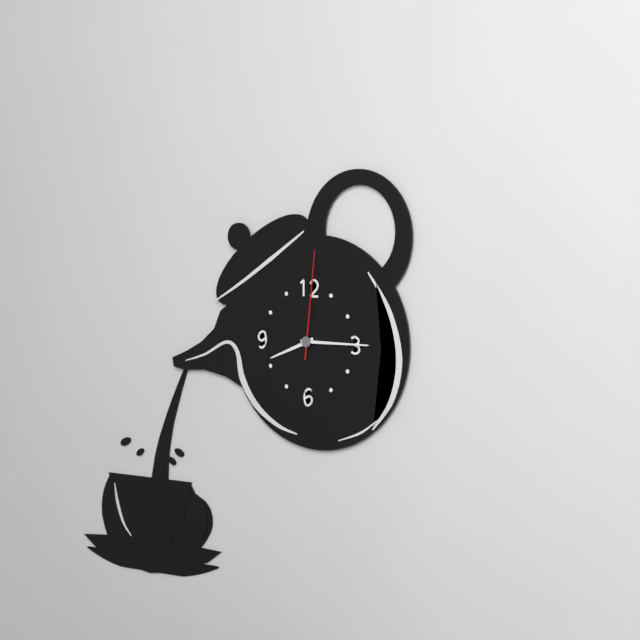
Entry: 8:15:01
